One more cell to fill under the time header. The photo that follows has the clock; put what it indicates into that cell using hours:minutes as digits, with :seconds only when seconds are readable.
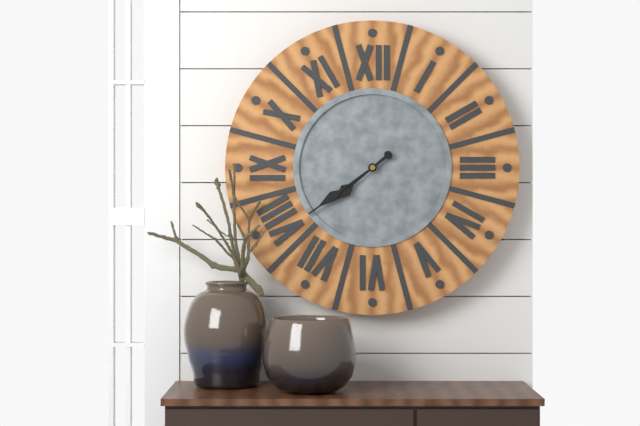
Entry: 7:39
